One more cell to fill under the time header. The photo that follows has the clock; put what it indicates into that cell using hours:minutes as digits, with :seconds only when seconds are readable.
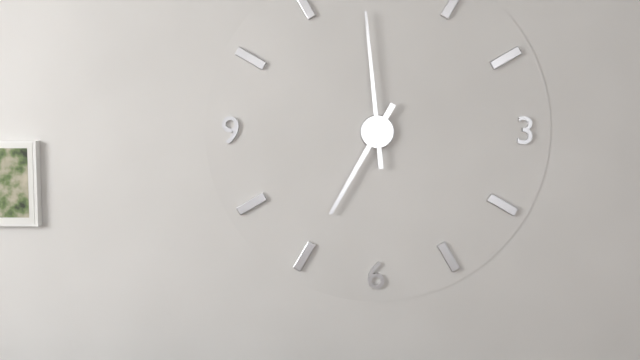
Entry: 6:59
